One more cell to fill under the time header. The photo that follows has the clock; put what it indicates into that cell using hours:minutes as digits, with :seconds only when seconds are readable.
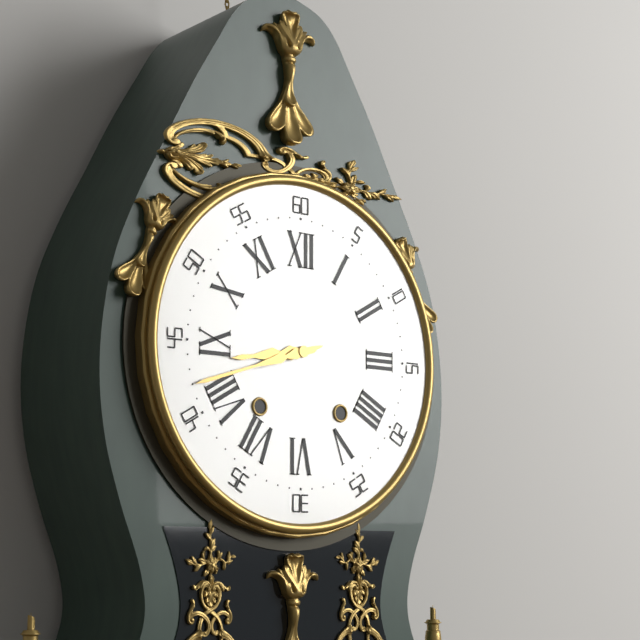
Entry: 8:42
